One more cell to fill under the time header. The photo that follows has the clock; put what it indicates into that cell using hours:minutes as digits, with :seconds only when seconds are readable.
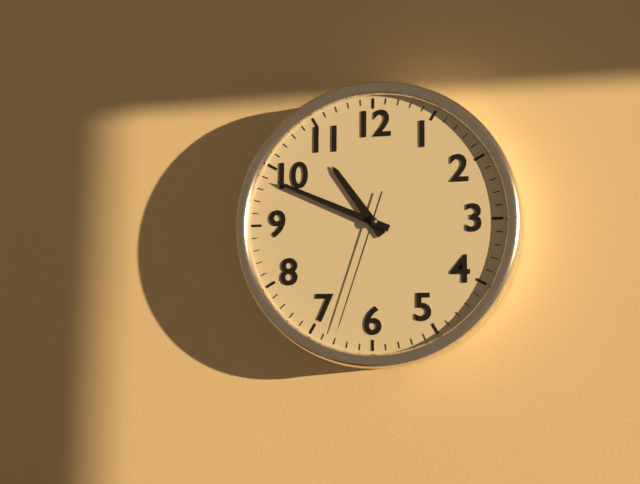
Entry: 10:49:33
